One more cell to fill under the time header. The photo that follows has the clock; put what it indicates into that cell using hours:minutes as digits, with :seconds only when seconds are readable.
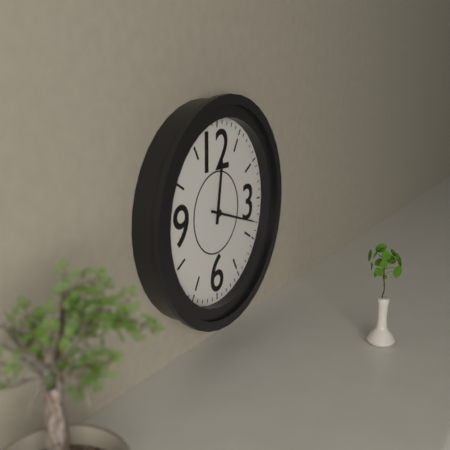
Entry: 12:18
